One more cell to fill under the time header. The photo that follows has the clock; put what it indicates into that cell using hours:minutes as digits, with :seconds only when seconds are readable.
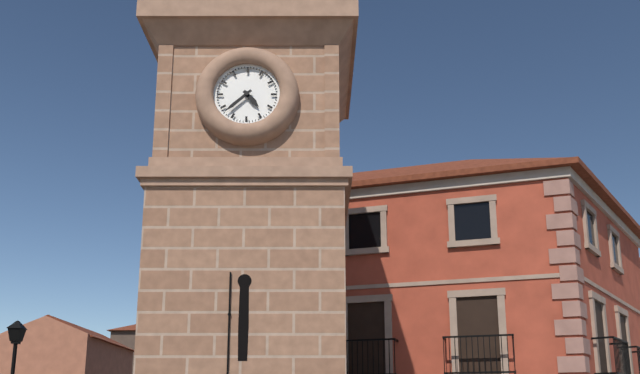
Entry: 4:38
